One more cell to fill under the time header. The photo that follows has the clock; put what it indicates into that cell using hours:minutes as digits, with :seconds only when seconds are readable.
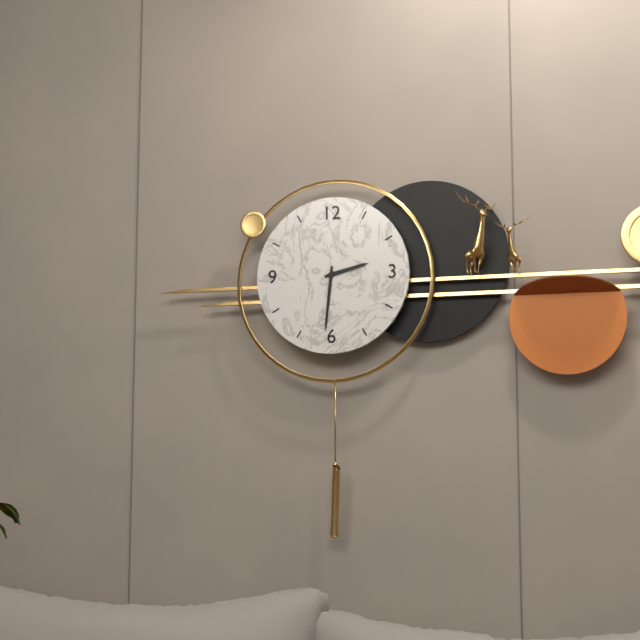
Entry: 2:31
